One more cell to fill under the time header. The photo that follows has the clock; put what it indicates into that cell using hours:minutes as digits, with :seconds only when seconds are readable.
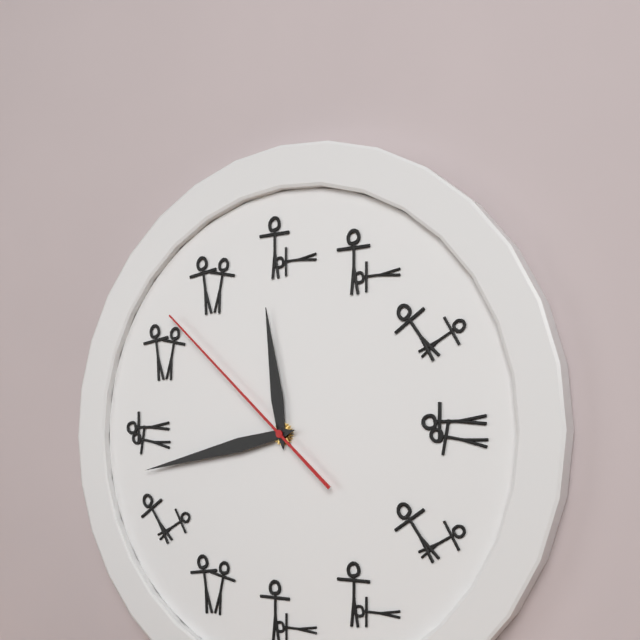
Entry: 11:43:52
